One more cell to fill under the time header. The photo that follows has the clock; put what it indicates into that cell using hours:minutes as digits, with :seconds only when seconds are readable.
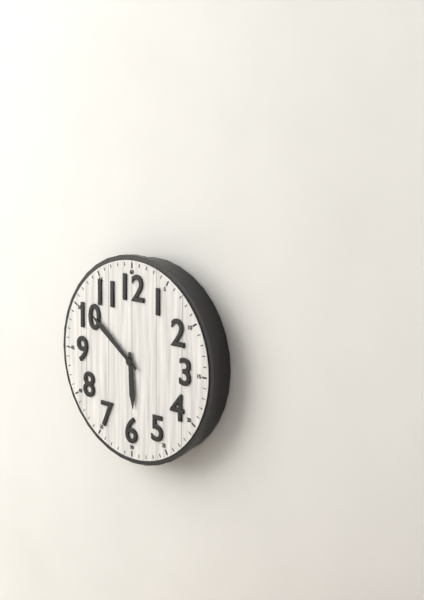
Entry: 5:51
